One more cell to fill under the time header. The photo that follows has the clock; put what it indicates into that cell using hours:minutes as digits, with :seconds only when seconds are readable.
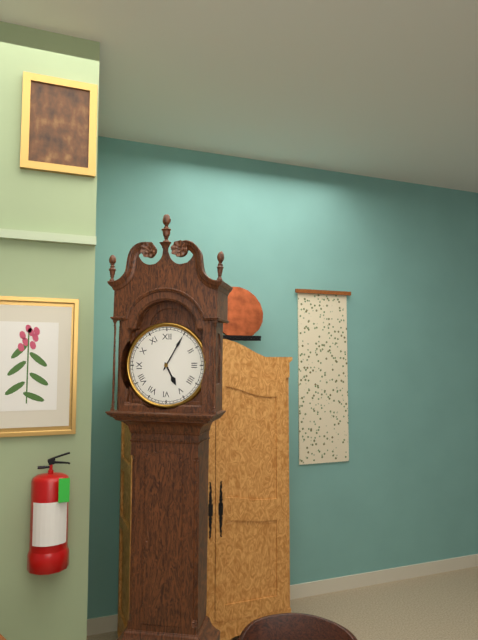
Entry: 5:05
